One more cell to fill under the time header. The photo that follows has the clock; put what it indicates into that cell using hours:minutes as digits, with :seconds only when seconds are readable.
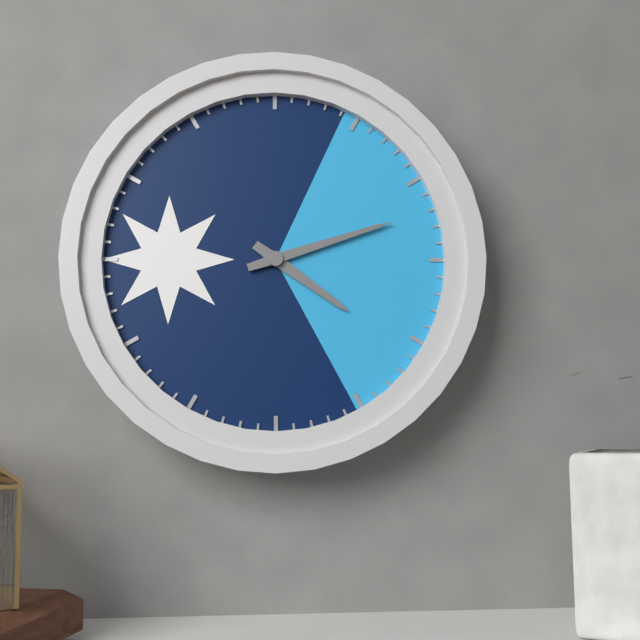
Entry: 4:12
